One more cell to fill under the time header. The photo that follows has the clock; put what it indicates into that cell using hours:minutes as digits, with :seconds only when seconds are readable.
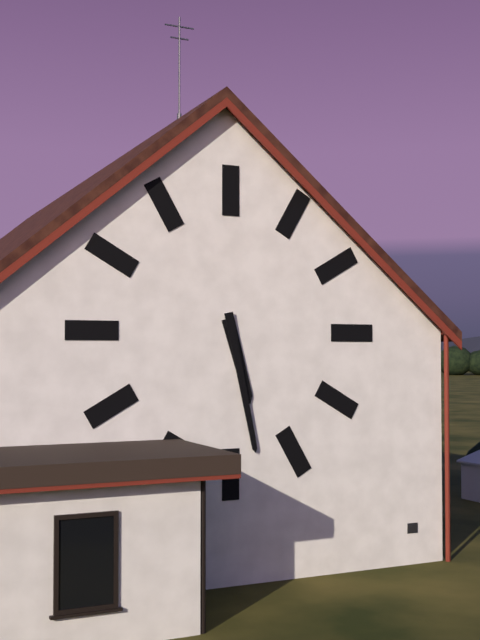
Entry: 5:28
